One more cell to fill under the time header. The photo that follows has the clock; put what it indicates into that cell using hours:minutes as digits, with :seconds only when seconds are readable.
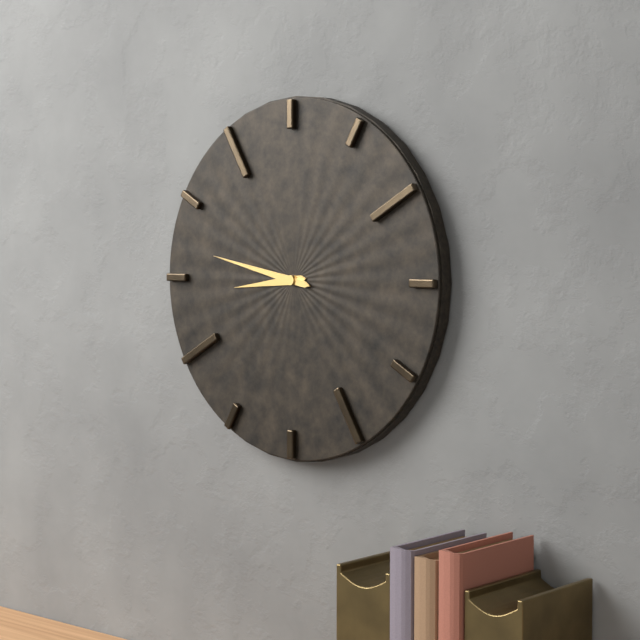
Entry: 8:47
